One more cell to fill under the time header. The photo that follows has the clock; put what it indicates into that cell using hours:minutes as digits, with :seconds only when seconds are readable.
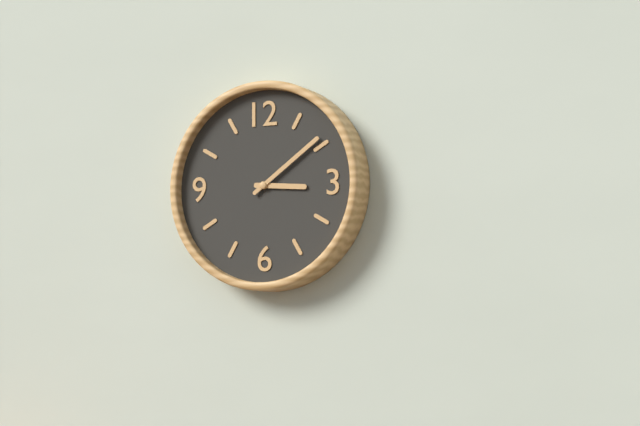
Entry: 3:09
